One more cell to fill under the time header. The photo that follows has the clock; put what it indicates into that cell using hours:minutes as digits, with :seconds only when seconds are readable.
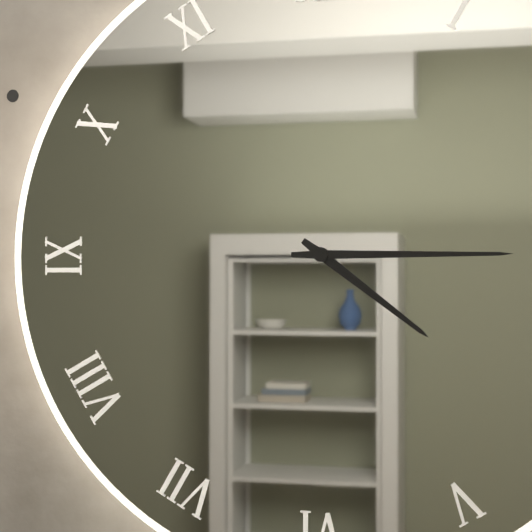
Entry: 4:15
